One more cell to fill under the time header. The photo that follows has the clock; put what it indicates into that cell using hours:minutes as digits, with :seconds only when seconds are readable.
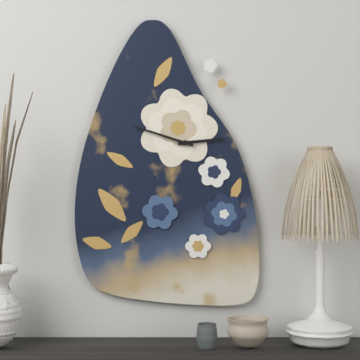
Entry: 2:48
